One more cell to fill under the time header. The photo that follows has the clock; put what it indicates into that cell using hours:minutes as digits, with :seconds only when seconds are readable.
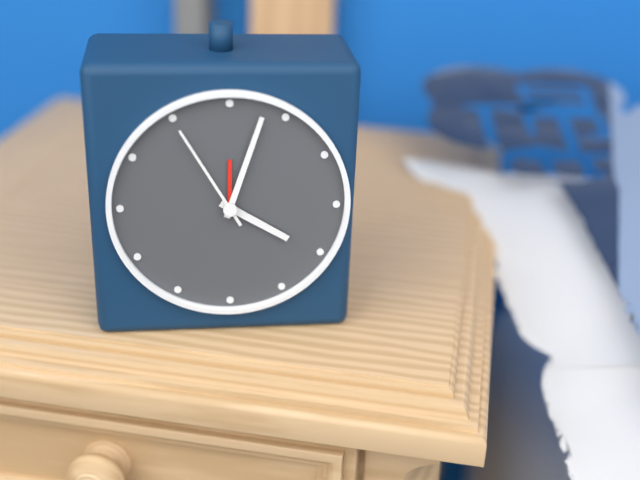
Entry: 4:03:55
